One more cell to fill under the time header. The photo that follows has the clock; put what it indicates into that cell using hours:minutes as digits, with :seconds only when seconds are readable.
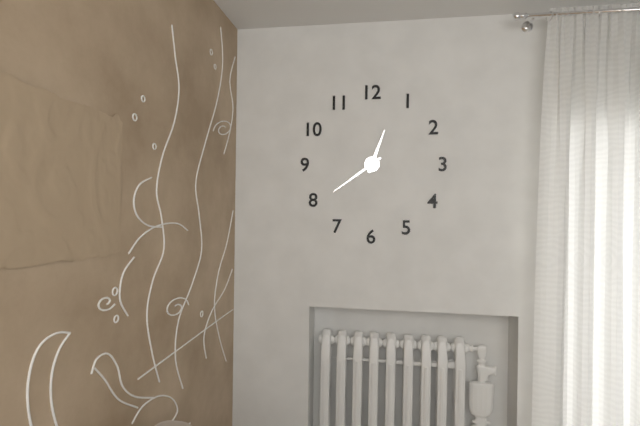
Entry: 12:39
